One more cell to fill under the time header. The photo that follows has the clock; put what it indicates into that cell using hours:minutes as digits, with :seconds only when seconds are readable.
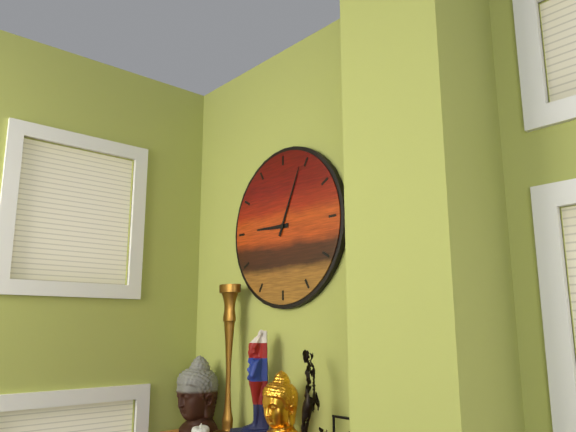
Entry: 9:04
